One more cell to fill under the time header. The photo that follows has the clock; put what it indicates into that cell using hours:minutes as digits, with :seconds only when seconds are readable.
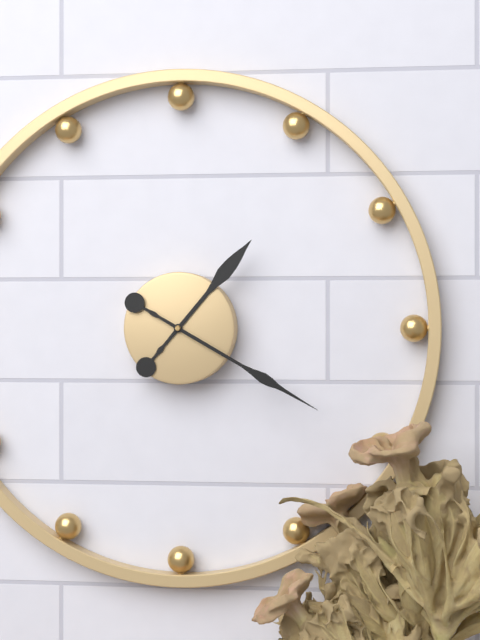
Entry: 1:20
